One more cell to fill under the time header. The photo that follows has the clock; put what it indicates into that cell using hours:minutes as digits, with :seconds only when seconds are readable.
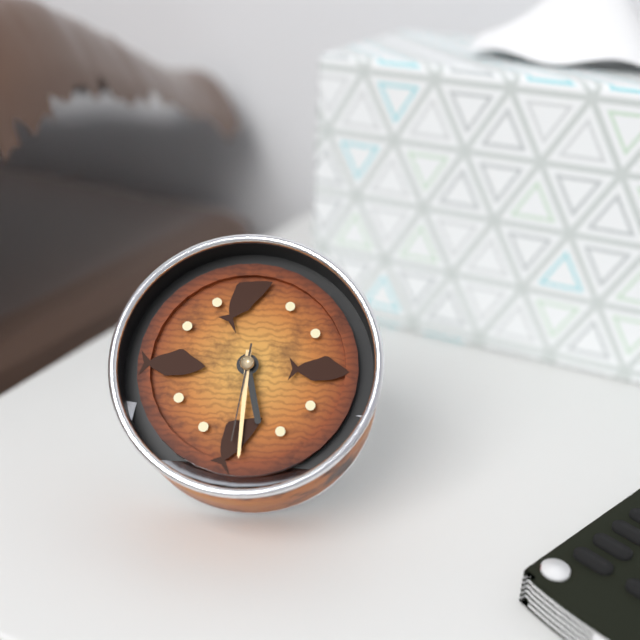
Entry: 5:30:31
